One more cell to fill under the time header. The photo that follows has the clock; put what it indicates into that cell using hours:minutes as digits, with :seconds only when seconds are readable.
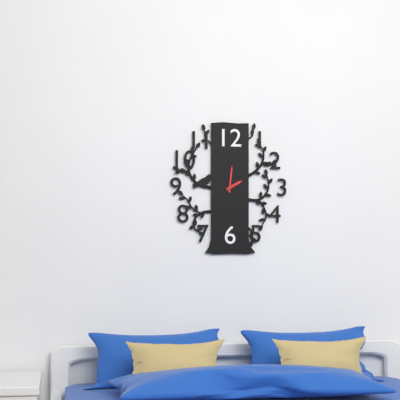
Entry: 2:01
